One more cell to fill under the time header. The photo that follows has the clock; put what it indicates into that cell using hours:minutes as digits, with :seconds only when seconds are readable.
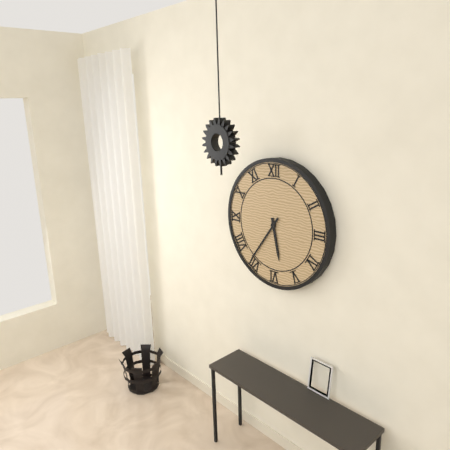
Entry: 5:36
